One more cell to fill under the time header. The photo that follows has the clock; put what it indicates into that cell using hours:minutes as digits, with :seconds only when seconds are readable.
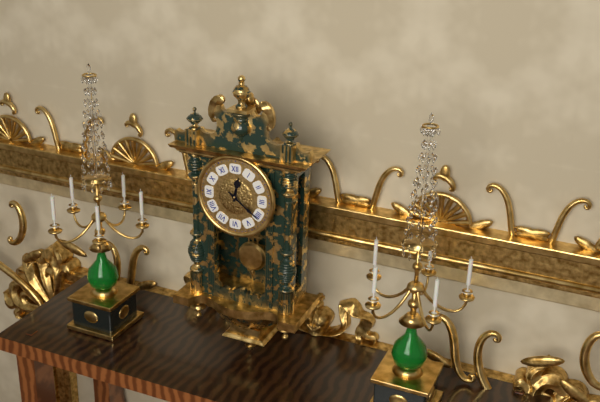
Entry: 12:21
